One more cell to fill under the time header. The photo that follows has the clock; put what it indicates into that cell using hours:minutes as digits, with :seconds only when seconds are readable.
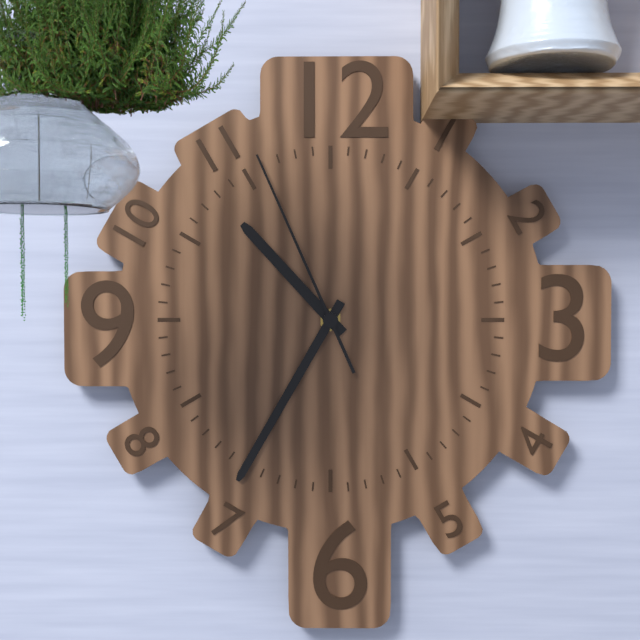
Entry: 10:35:56
